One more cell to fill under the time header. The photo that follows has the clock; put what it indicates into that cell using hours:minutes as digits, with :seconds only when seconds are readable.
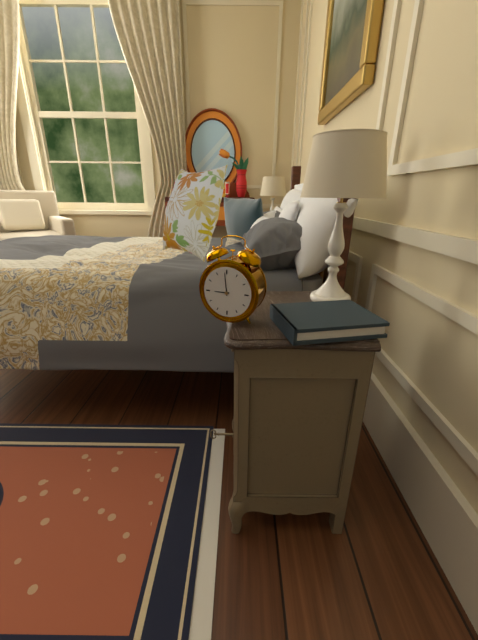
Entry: 8:59
